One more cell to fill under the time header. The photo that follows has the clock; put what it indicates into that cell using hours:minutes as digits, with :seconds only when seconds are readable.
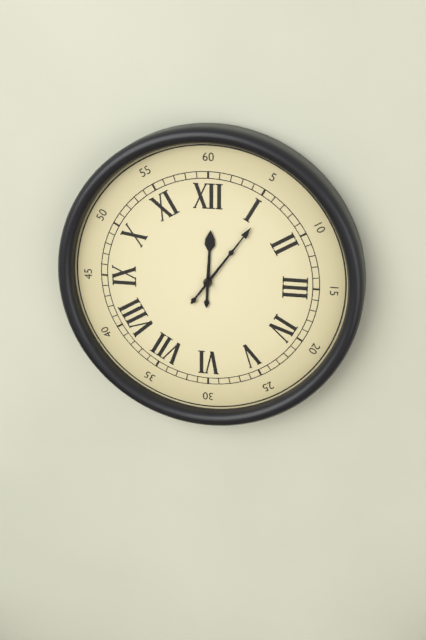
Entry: 12:06
